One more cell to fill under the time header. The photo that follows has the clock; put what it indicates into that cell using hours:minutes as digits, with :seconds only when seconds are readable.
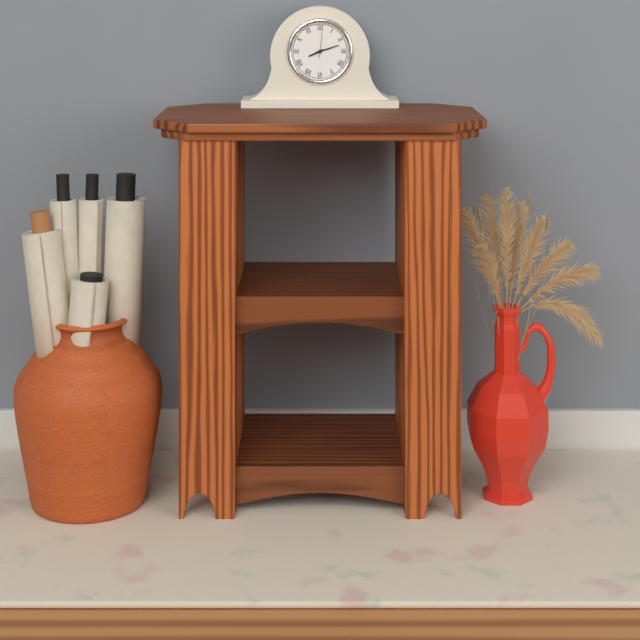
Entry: 8:12
